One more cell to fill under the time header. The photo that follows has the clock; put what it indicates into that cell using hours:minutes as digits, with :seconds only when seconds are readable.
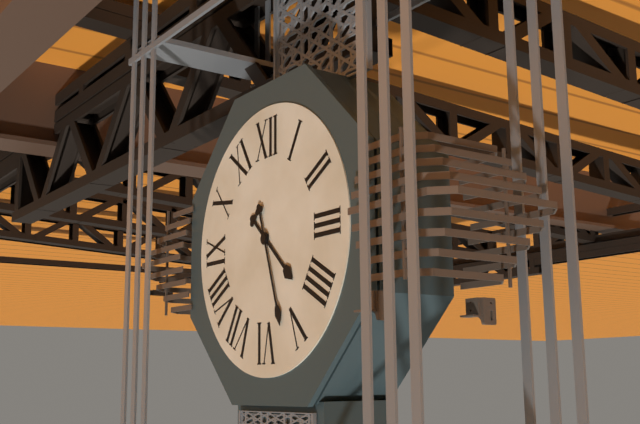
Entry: 4:27
